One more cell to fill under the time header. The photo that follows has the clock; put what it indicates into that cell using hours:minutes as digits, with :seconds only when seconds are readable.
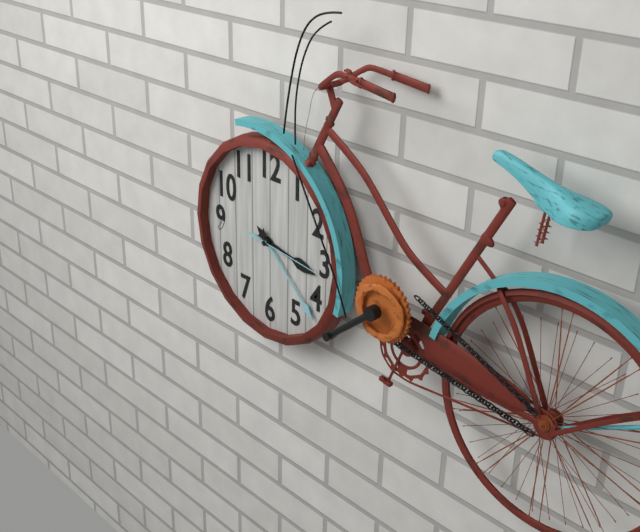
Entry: 3:22:16
